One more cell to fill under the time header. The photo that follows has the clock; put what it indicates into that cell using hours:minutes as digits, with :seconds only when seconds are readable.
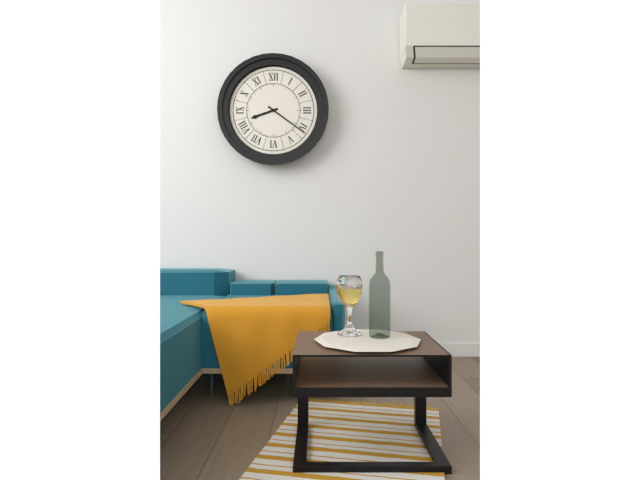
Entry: 8:21
